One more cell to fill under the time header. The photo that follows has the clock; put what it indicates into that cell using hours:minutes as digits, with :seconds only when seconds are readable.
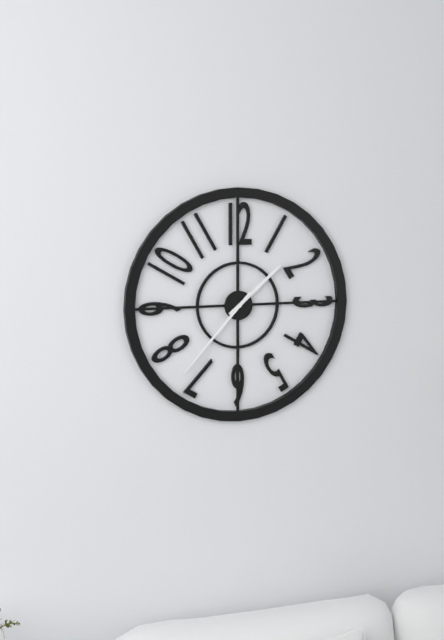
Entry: 1:37
